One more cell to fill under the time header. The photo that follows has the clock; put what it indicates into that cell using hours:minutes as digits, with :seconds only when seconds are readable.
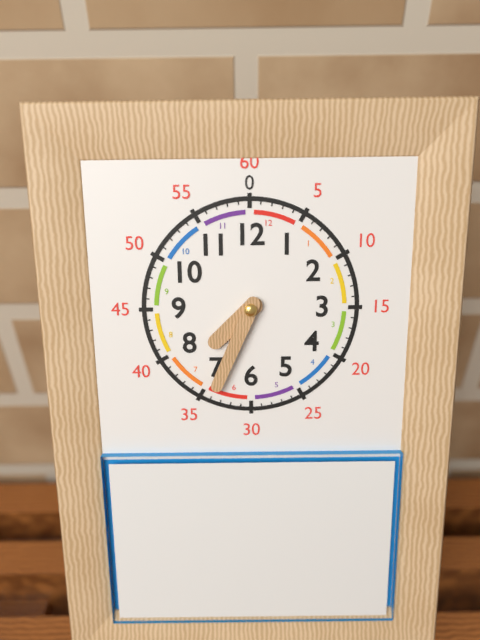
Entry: 7:34
